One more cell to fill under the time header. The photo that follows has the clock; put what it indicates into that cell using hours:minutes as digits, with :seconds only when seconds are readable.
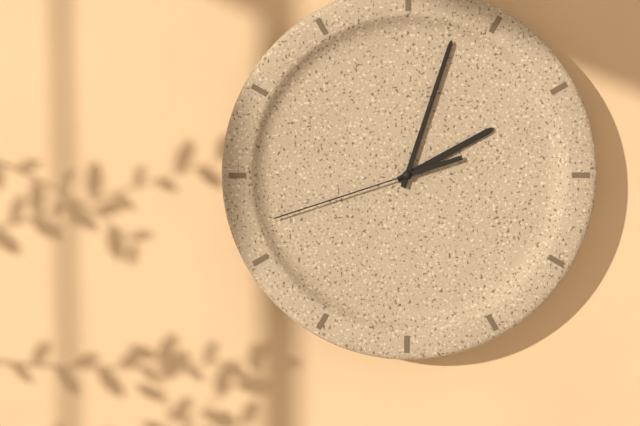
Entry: 2:03:42
